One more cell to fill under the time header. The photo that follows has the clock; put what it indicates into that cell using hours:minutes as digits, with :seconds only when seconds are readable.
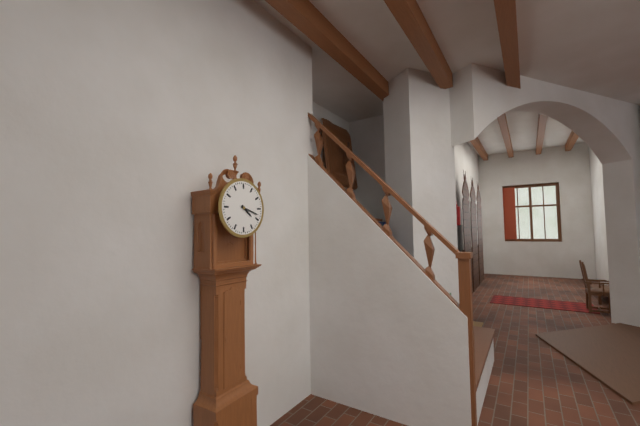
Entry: 4:18
